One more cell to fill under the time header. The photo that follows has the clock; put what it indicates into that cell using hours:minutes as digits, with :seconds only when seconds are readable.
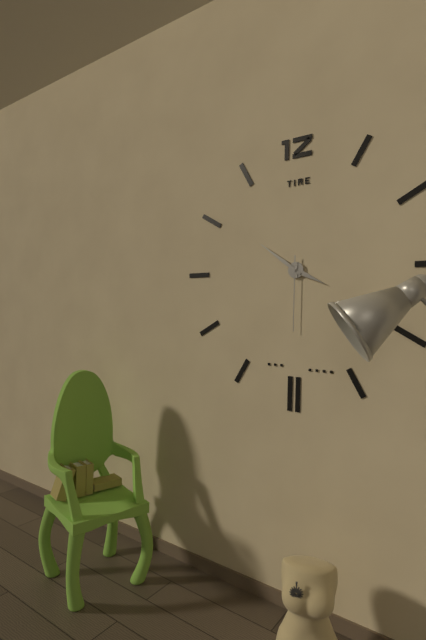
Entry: 3:51:30
